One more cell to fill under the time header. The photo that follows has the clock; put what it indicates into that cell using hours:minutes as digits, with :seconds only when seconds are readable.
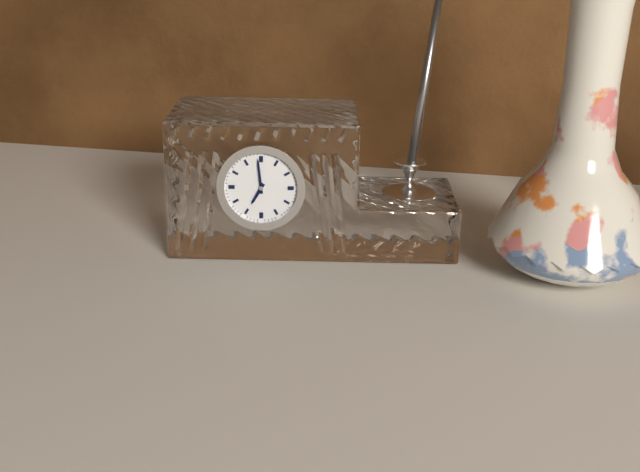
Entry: 6:59
